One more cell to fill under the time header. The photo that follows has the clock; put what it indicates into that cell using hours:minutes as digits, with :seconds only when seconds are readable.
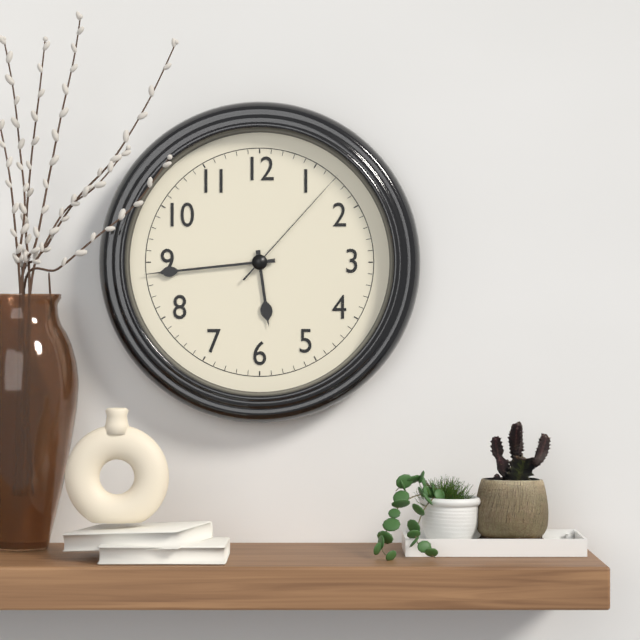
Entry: 5:44:07
